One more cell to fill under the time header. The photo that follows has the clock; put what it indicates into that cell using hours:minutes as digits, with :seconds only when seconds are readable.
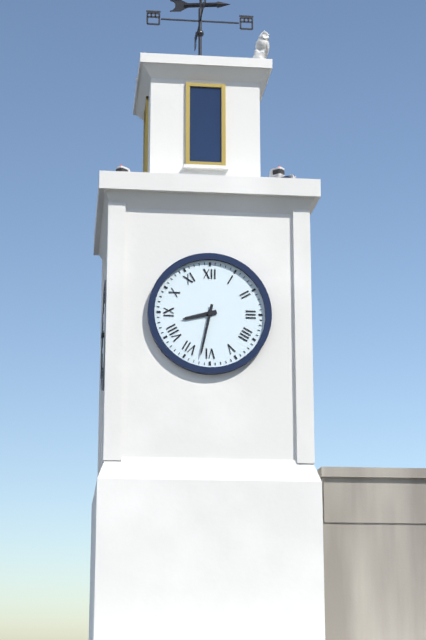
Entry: 8:32
